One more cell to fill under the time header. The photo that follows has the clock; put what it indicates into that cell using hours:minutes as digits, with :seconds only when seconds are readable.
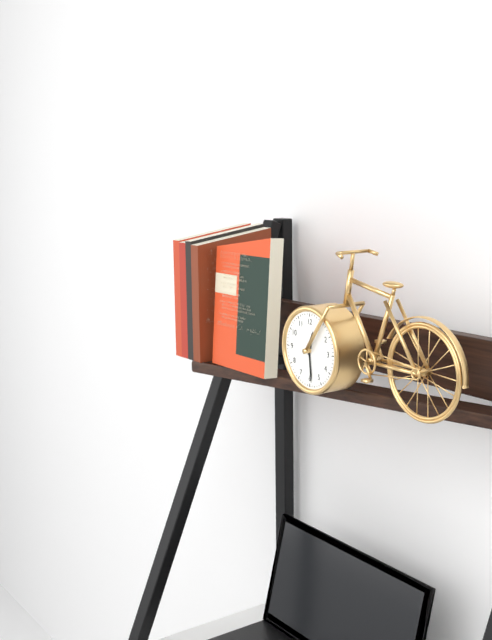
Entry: 12:29
